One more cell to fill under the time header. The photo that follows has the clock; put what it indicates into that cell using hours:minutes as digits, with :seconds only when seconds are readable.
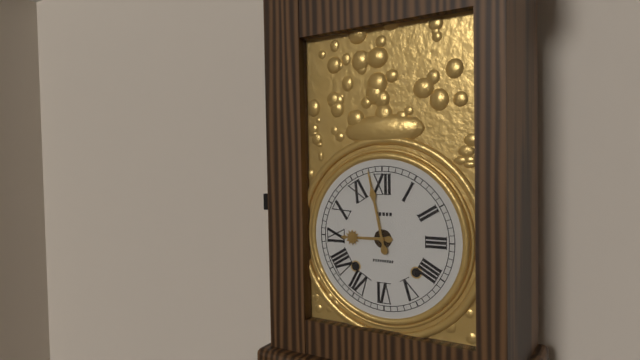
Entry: 8:58
